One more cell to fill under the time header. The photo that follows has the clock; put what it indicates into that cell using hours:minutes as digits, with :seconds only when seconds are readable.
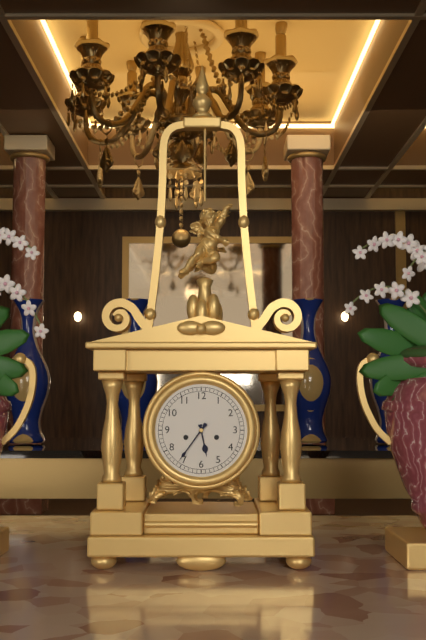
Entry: 5:36
